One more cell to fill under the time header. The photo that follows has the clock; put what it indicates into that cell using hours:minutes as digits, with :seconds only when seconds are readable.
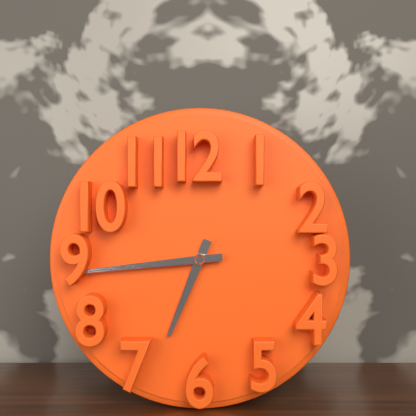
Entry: 6:44
